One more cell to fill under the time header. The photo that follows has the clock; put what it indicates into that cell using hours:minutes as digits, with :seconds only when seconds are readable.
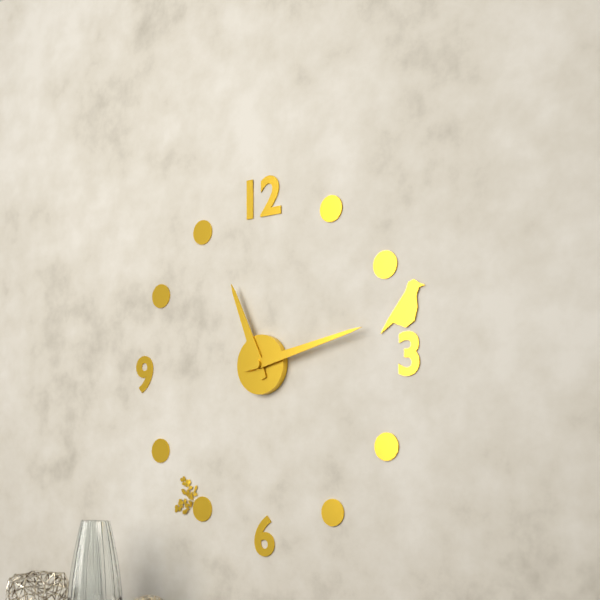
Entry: 11:13
